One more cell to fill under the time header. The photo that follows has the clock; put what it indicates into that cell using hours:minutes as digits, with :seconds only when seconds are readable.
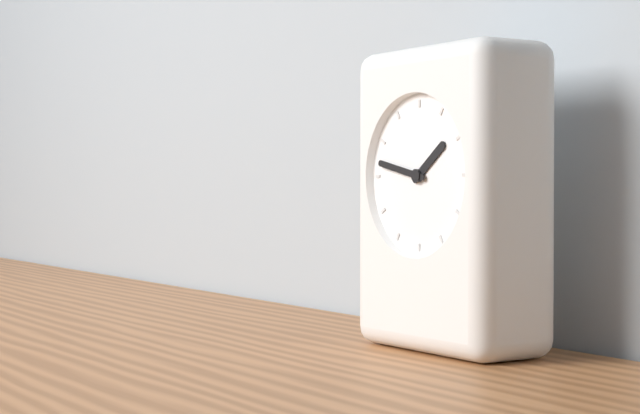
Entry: 1:47
